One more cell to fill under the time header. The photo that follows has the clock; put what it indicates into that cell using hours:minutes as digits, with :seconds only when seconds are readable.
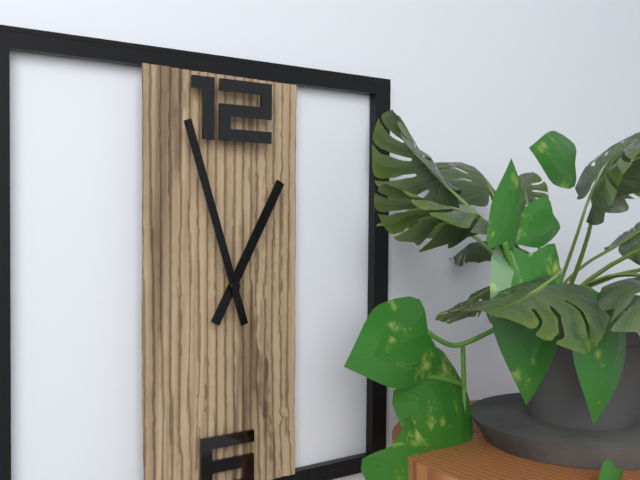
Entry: 12:57
